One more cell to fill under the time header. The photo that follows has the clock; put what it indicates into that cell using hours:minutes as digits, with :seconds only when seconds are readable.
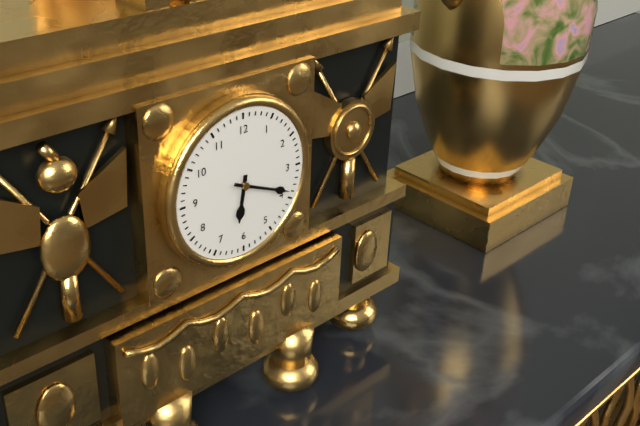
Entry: 6:19
